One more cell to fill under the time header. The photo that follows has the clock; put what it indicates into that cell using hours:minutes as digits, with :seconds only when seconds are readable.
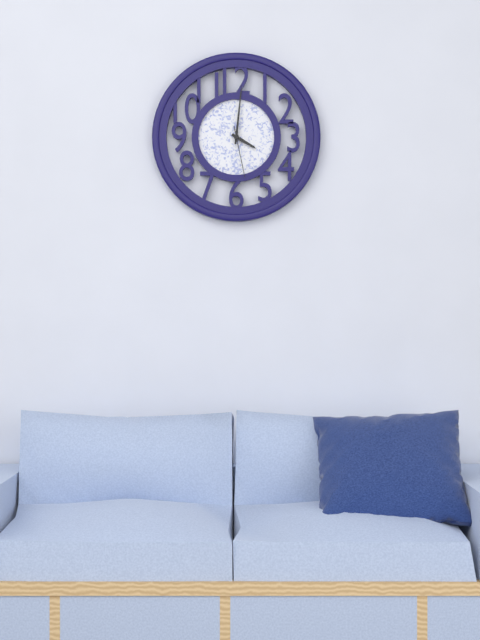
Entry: 4:01:28
